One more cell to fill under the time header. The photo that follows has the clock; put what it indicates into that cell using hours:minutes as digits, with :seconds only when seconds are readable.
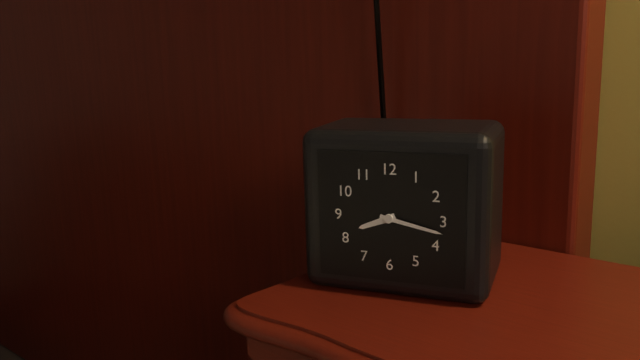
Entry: 8:17
